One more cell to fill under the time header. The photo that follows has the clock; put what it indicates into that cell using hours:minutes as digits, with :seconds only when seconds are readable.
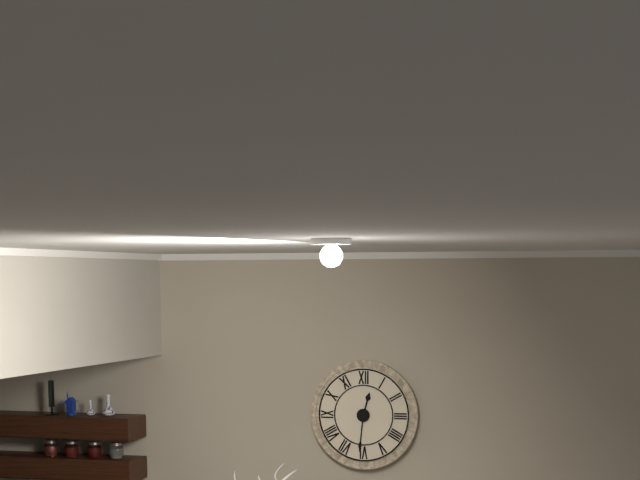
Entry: 12:31
